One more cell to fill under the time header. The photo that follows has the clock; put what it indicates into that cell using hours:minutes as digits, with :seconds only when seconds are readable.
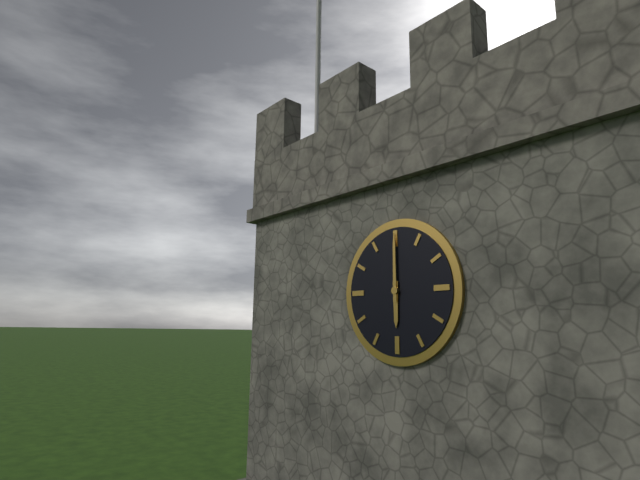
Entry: 6:00
